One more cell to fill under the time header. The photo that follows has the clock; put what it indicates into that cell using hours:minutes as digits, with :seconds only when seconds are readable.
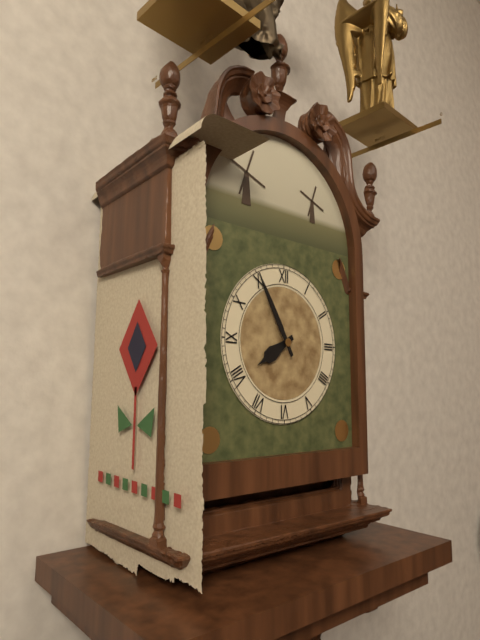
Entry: 7:55
